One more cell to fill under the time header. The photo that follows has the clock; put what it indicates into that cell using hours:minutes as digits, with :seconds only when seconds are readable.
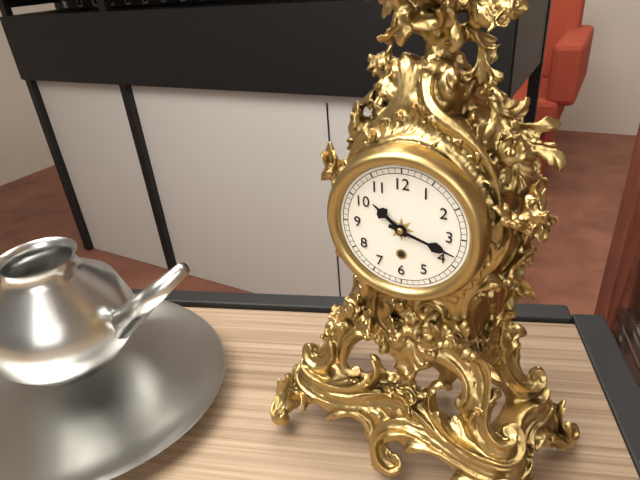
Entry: 10:18
